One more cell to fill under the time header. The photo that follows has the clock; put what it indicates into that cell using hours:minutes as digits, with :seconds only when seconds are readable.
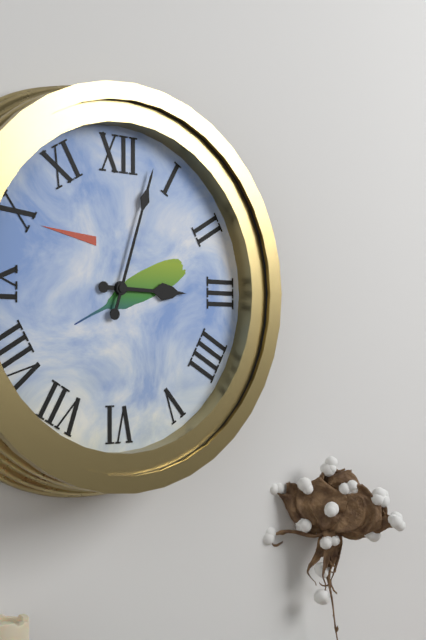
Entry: 3:03
